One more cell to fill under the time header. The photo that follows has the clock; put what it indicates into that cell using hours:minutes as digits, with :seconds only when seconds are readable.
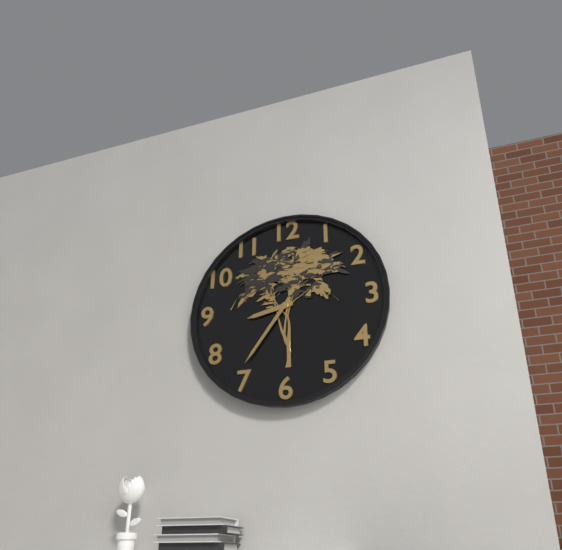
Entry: 8:36
